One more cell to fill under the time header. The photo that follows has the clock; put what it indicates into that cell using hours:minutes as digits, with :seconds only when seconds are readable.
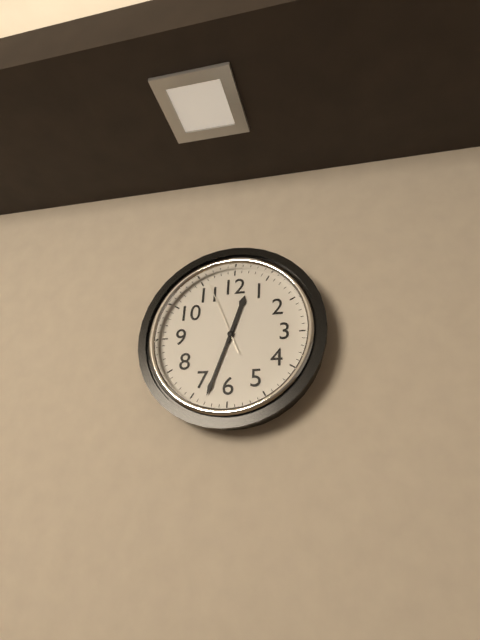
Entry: 12:33:56
